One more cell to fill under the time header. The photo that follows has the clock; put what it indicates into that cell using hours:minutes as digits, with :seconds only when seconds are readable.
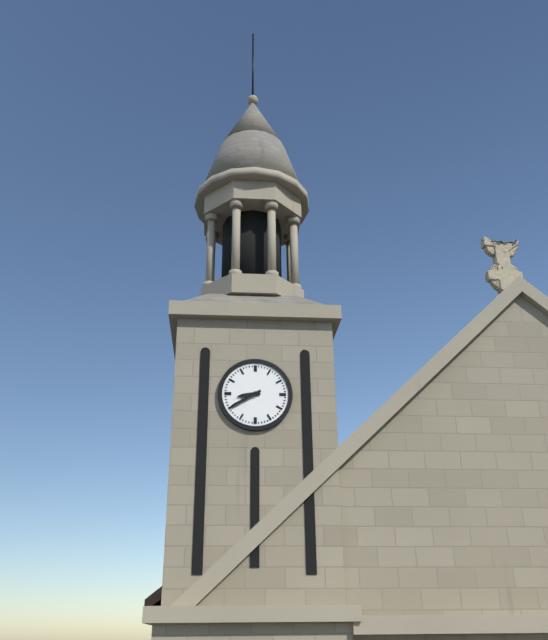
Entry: 8:40
